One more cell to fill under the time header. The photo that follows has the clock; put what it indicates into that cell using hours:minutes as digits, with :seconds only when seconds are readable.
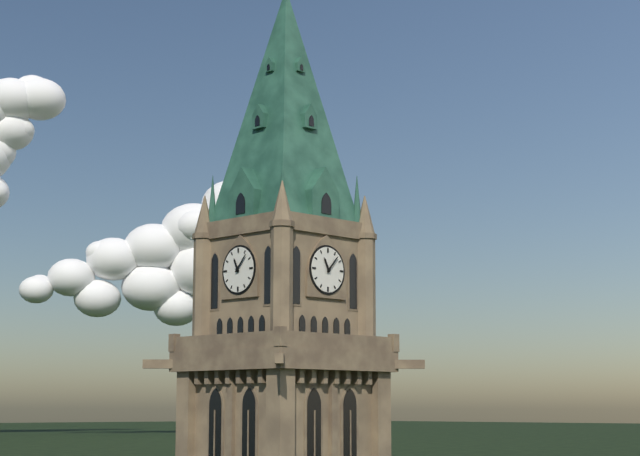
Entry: 11:07
